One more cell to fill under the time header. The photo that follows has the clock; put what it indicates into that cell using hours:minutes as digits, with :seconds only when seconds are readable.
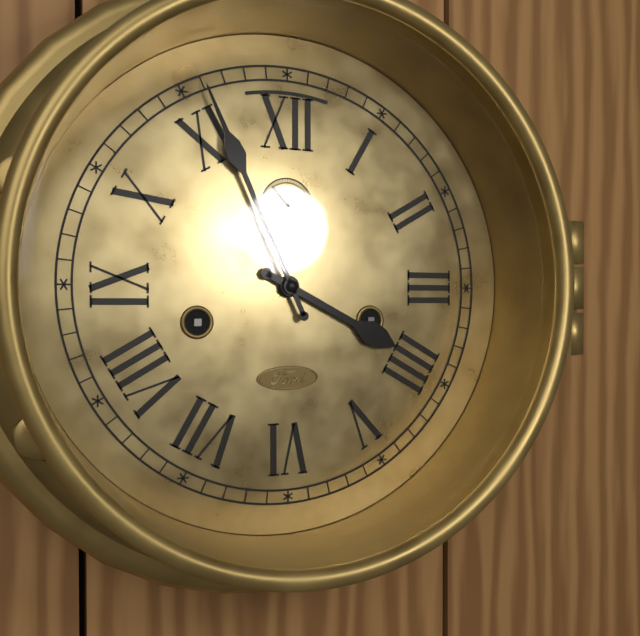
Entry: 3:56
